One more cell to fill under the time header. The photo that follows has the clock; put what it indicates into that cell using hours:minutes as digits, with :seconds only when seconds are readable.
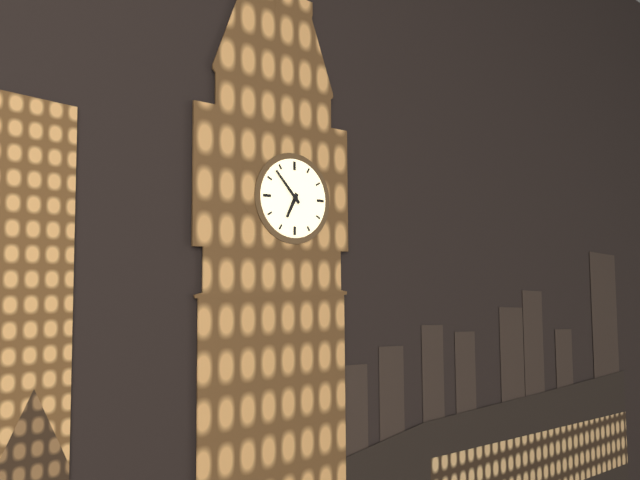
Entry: 6:53
